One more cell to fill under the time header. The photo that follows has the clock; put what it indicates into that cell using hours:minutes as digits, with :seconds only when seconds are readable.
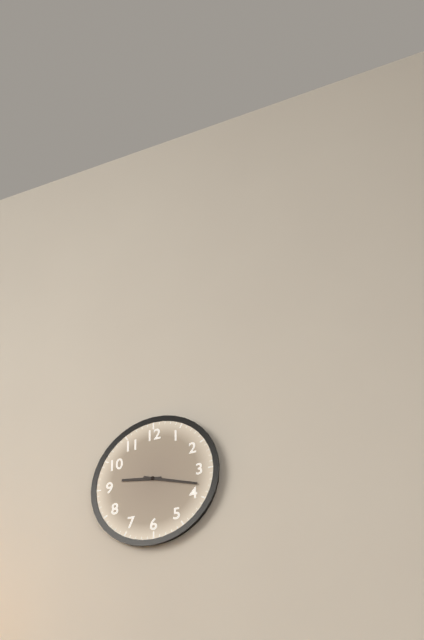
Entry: 9:18
